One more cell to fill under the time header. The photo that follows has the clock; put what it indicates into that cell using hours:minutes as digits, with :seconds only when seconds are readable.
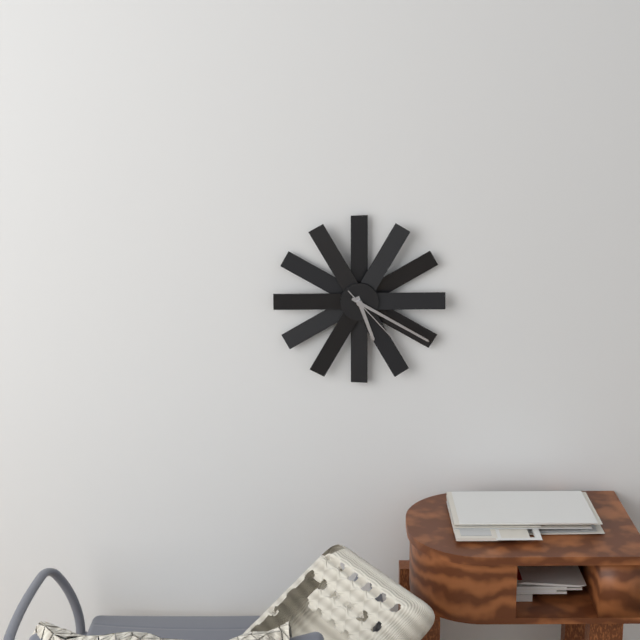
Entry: 5:20:23
